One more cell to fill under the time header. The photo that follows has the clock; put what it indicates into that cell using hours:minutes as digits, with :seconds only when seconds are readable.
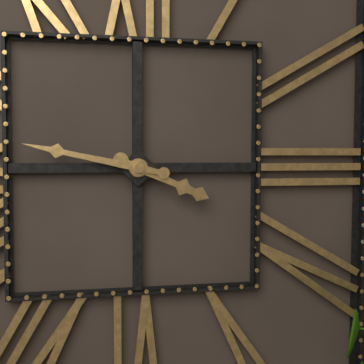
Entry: 3:47
